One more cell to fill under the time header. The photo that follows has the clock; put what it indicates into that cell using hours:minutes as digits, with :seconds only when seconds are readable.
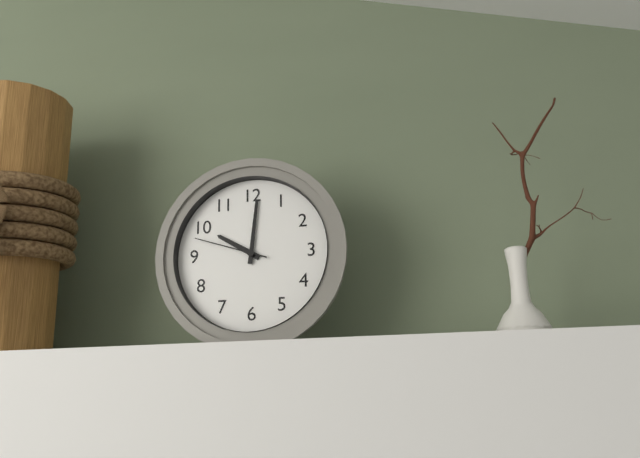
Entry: 10:01:48
